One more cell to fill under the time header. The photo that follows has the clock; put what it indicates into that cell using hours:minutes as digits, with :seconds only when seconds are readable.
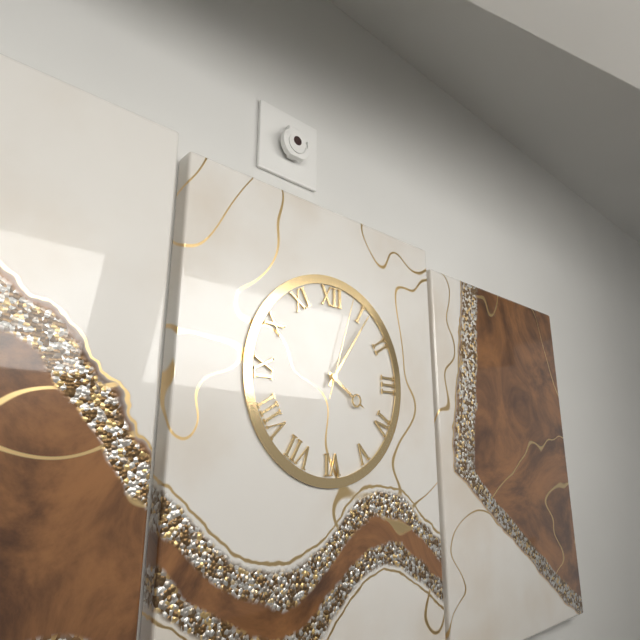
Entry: 4:06:03
